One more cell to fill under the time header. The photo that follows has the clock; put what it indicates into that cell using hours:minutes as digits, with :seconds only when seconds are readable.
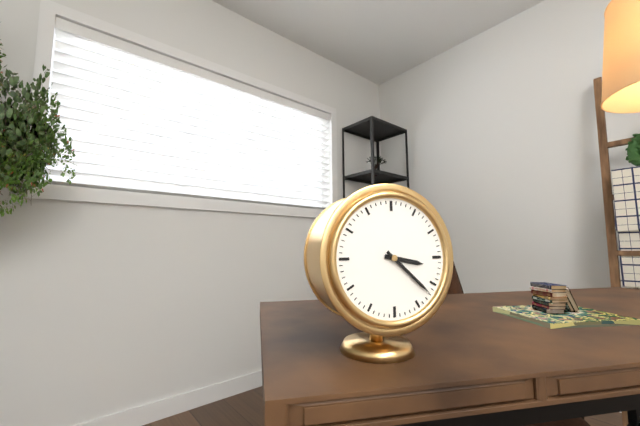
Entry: 3:22
